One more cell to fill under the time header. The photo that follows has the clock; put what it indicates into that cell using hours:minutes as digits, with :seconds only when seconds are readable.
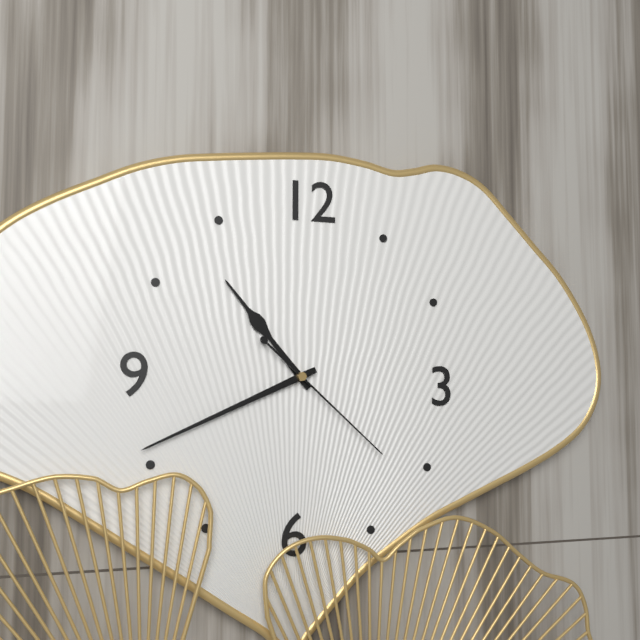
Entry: 10:41:22
